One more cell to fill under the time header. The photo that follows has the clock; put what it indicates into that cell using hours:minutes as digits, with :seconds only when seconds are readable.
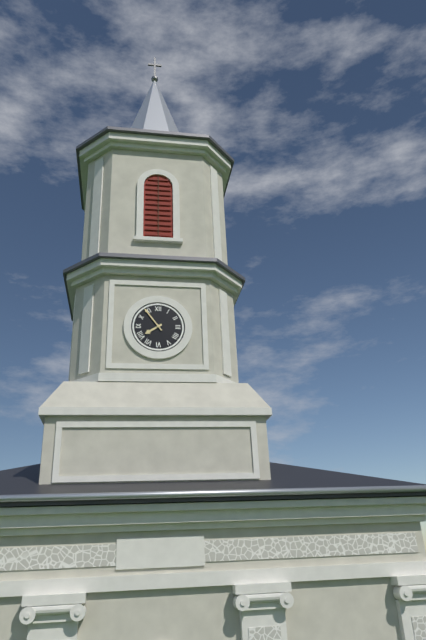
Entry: 7:54
